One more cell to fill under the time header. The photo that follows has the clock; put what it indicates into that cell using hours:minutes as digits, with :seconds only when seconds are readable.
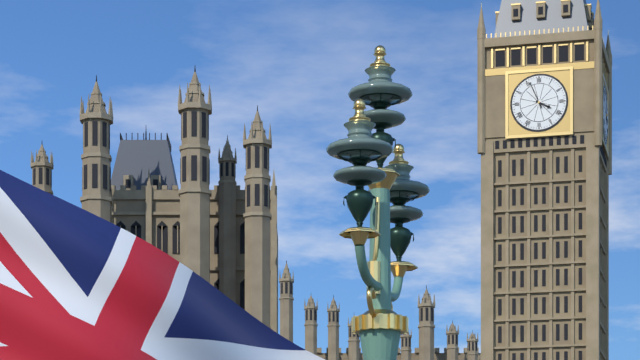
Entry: 3:56
